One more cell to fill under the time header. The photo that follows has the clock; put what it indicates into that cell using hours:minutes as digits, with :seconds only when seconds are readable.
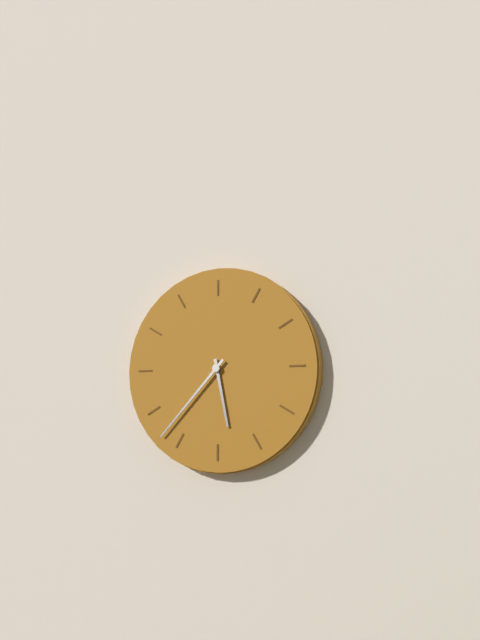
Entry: 5:37
